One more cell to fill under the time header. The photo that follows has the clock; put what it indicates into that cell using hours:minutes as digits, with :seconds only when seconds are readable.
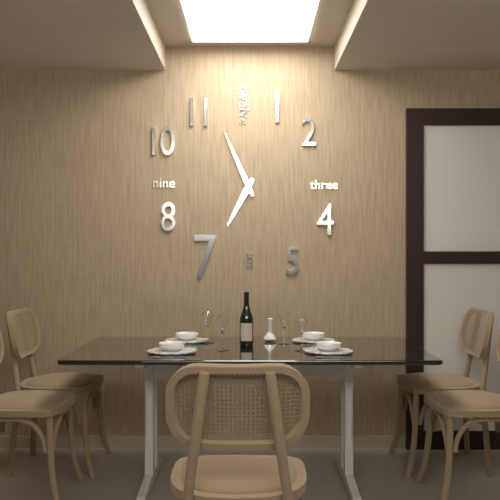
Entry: 6:56
